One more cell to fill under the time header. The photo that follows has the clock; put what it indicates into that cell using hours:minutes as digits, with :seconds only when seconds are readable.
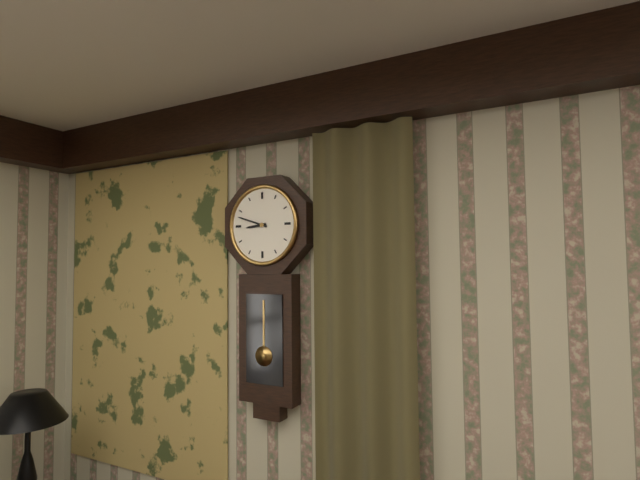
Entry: 8:48
